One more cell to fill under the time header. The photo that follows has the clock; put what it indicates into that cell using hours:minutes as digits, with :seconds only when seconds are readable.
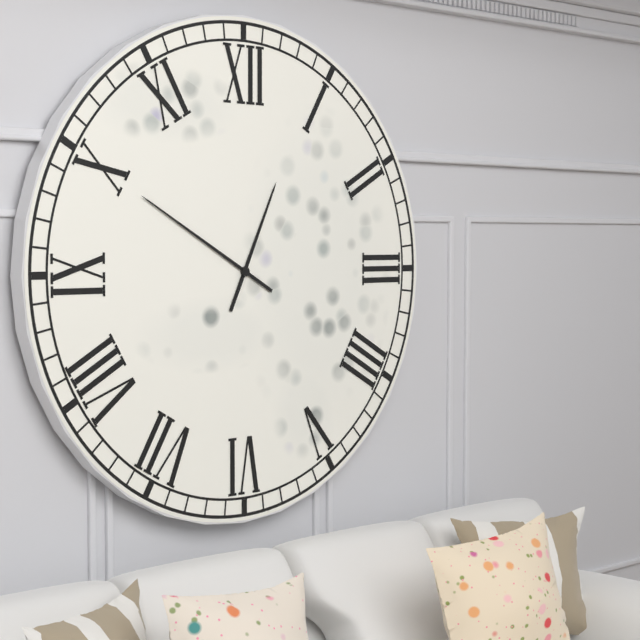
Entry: 12:50
